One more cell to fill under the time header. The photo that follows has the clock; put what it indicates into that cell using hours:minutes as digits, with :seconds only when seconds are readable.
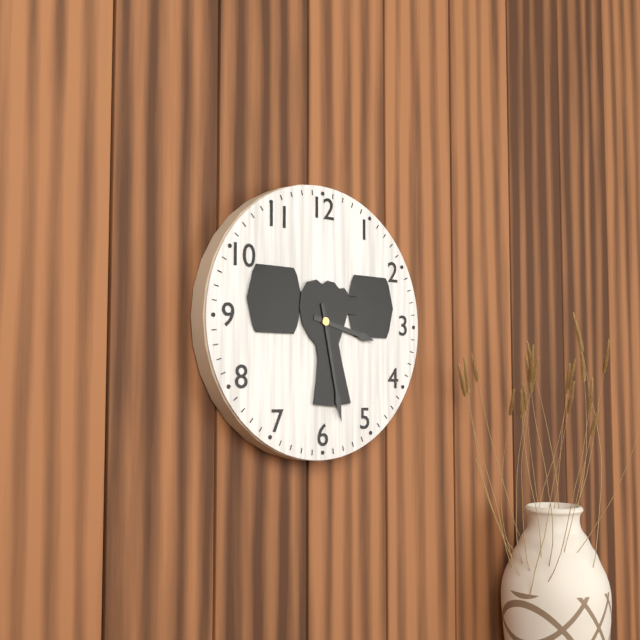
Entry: 3:28
